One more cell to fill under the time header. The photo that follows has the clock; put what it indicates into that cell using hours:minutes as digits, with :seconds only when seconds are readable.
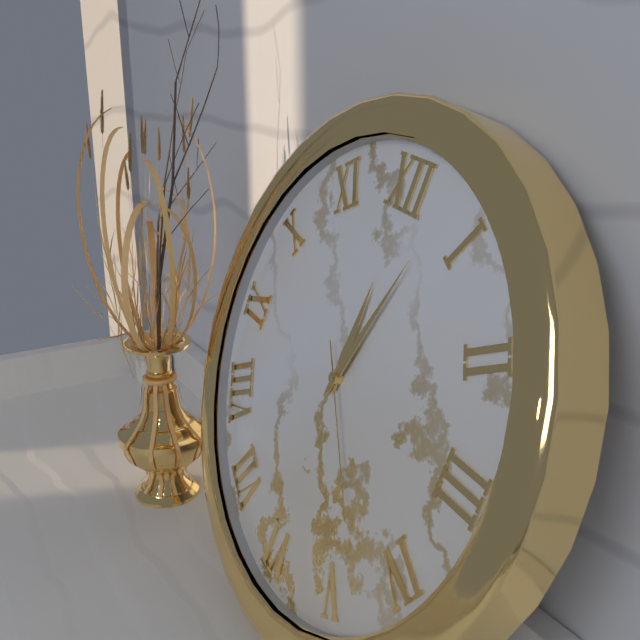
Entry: 12:03:23
